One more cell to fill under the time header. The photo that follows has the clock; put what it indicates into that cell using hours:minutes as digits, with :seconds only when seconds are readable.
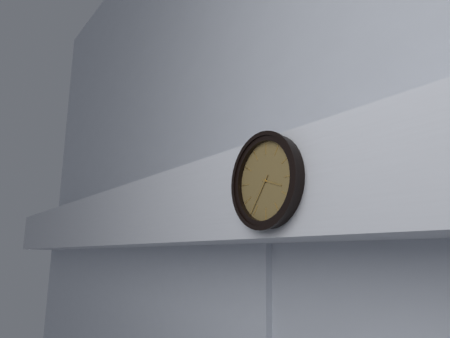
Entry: 3:36
